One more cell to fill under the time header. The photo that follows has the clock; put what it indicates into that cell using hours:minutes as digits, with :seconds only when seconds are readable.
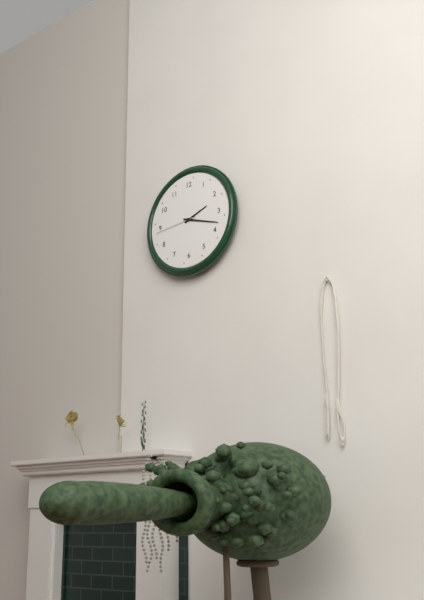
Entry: 2:18
